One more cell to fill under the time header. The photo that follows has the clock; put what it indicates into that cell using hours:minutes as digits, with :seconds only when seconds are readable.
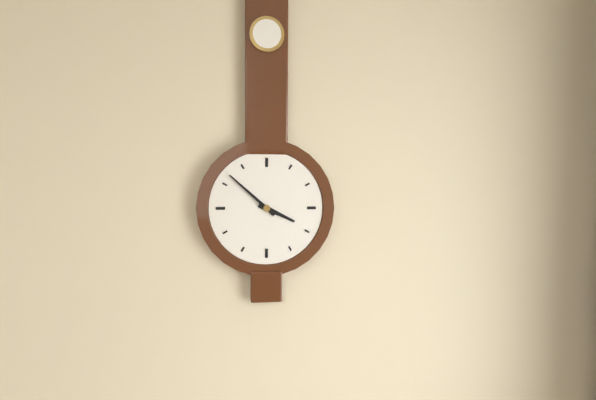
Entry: 3:52
